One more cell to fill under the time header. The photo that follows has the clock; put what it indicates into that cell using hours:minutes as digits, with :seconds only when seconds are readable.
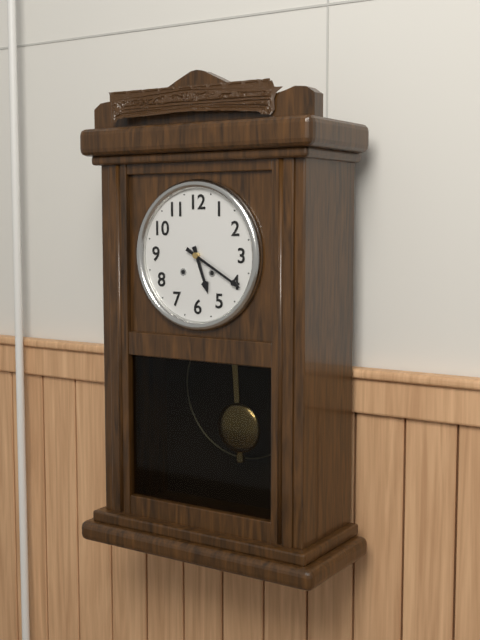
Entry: 5:20
